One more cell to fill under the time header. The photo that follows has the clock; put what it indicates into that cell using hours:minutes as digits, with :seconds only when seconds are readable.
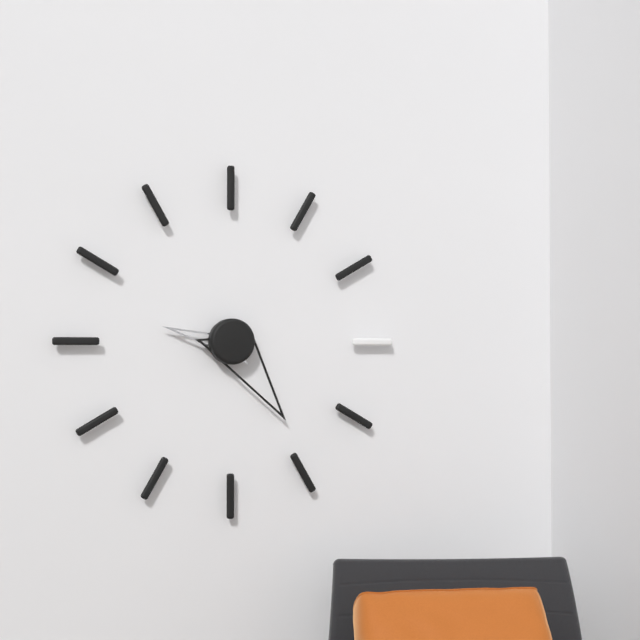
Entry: 9:24
